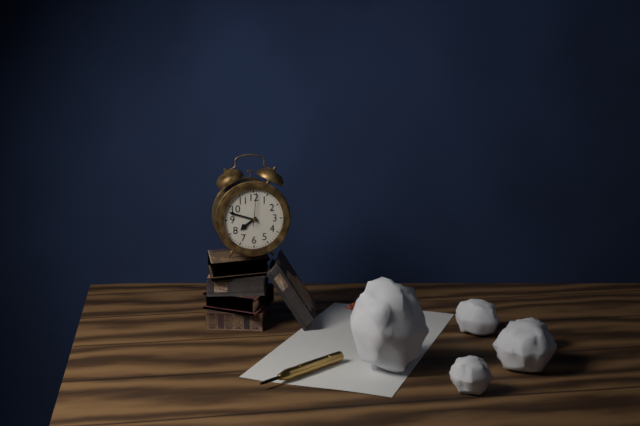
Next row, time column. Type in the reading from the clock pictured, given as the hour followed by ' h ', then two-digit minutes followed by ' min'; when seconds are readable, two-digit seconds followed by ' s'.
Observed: 7 h 48 min
